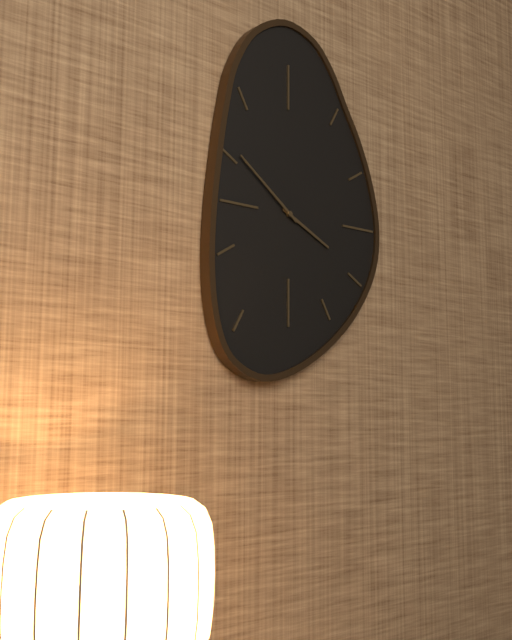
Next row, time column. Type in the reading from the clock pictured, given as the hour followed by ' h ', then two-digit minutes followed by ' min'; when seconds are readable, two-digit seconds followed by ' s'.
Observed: 3 h 51 min
